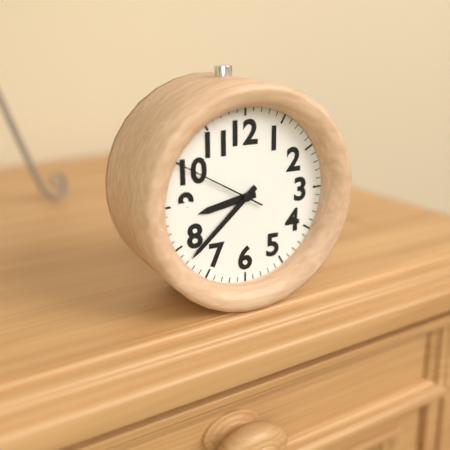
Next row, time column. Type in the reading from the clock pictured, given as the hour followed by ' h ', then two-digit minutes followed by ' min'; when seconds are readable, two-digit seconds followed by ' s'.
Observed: 8 h 38 min 50 s
